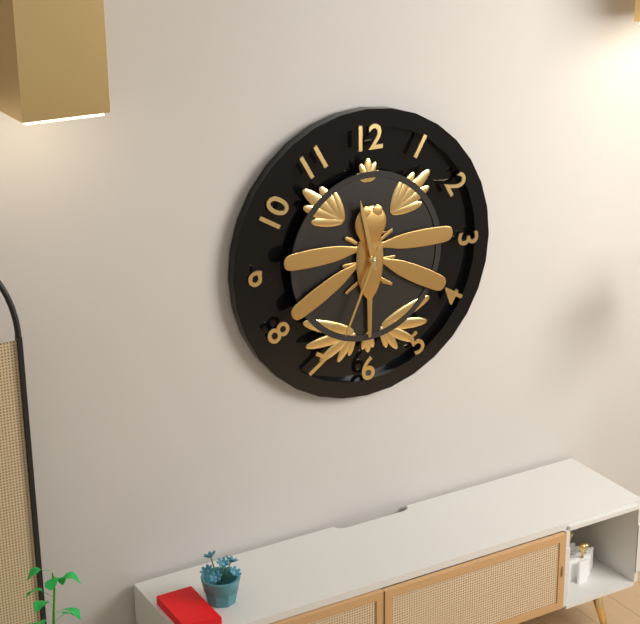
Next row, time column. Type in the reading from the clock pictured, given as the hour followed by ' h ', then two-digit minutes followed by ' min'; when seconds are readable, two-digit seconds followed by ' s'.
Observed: 11 h 34 min
